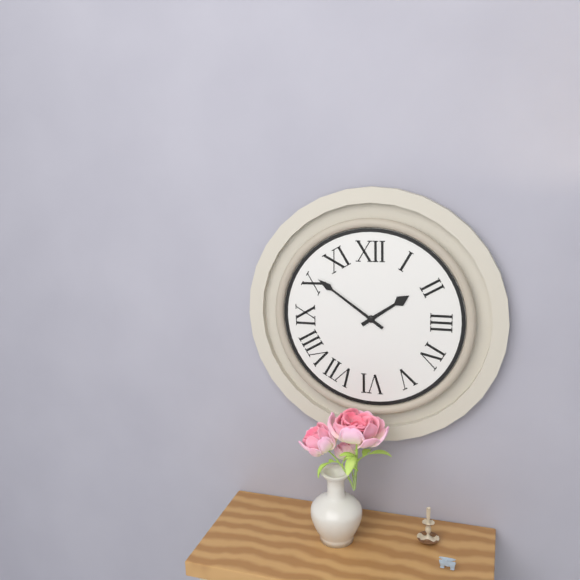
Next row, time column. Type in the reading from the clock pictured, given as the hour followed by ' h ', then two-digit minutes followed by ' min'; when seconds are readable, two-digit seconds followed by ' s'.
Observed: 1 h 51 min
